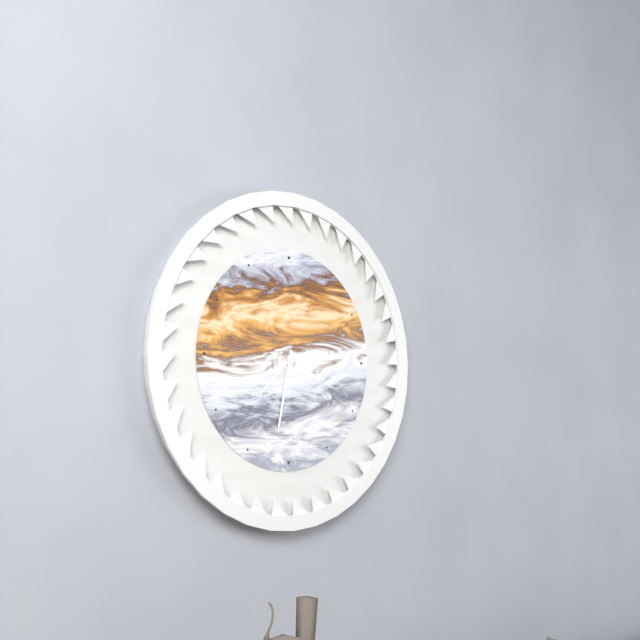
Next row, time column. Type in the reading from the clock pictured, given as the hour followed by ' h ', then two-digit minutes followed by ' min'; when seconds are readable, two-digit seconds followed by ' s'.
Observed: 7 h 32 min
